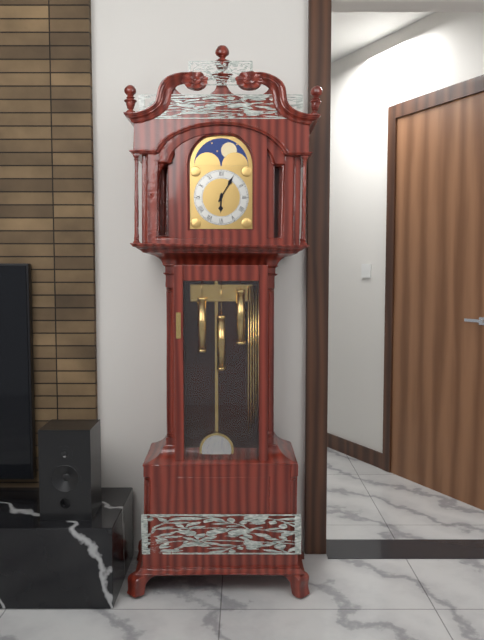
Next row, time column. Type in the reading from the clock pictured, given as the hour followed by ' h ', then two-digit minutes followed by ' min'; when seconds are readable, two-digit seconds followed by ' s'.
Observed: 6 h 05 min
